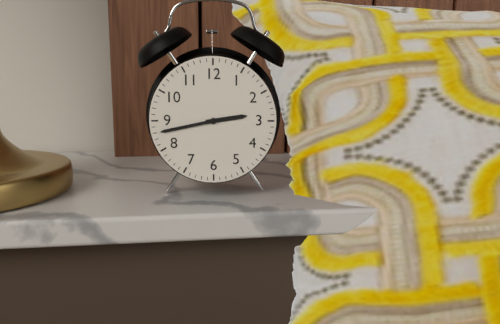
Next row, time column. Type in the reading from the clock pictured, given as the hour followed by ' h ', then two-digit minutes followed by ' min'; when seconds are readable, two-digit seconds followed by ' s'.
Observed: 2 h 43 min
